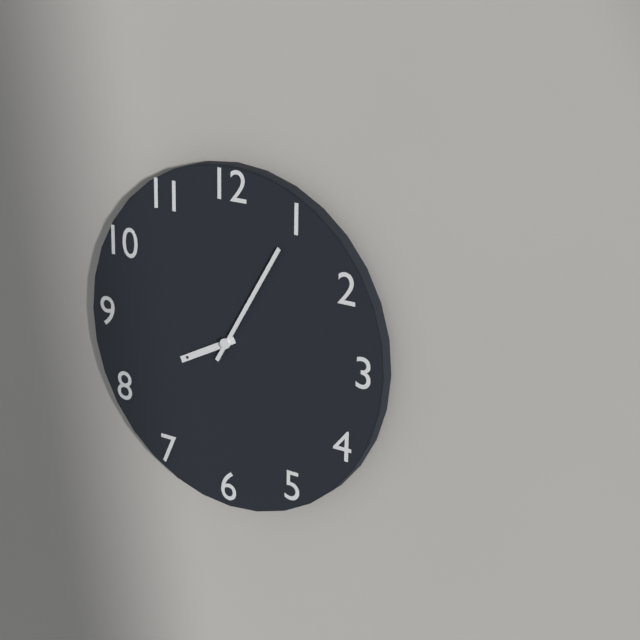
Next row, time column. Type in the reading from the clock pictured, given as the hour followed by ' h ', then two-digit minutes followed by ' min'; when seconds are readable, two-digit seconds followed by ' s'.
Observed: 8 h 05 min
